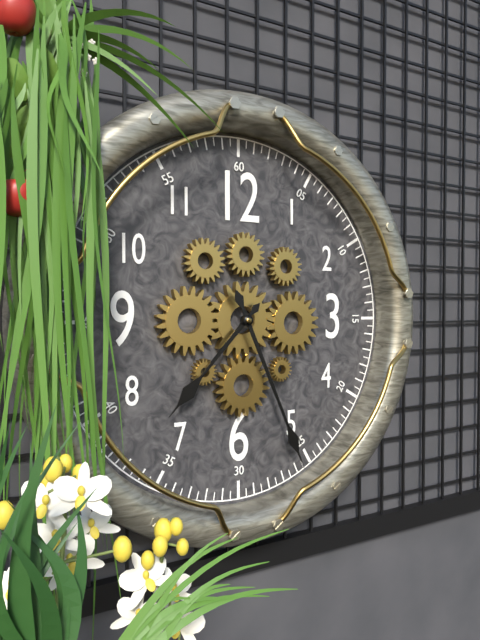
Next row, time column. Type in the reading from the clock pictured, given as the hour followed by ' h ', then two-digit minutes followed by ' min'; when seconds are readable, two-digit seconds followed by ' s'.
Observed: 7 h 26 min
